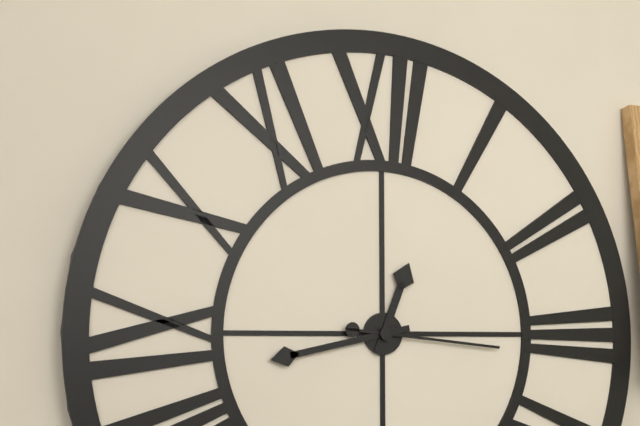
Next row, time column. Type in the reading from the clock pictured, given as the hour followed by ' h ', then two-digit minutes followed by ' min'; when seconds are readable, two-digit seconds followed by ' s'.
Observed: 12 h 43 min 16 s
